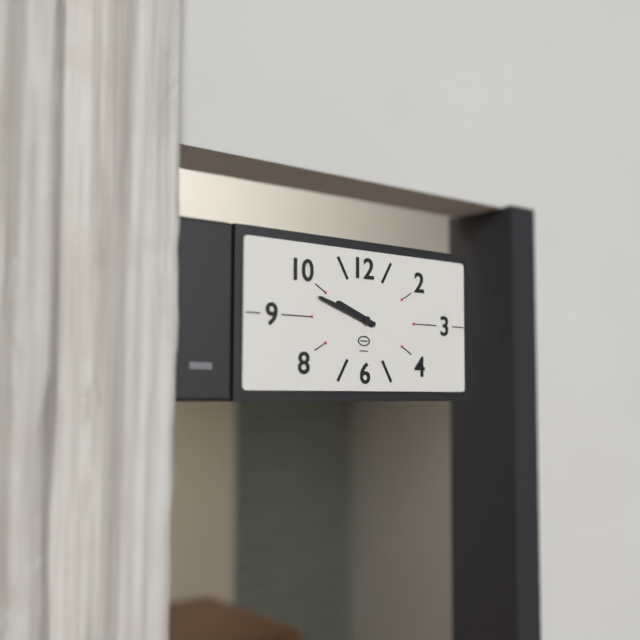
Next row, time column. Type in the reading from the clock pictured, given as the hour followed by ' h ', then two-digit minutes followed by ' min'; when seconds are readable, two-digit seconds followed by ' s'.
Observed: 9 h 48 min
